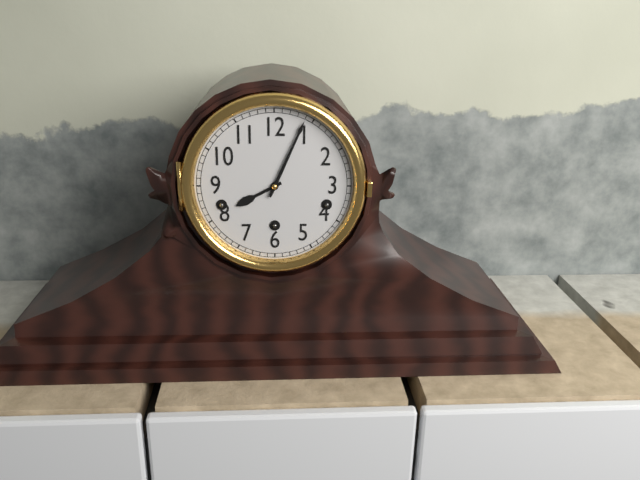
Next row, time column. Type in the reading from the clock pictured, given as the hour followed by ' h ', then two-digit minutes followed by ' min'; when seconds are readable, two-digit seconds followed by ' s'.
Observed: 8 h 04 min
